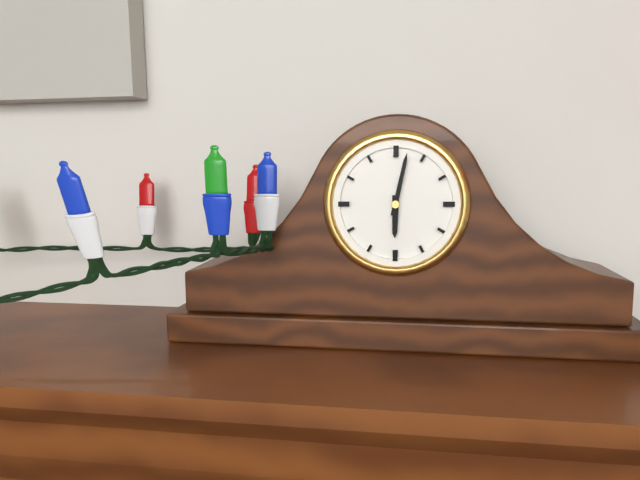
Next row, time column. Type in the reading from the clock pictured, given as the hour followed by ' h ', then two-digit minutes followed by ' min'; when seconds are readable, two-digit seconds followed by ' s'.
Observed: 6 h 02 min
